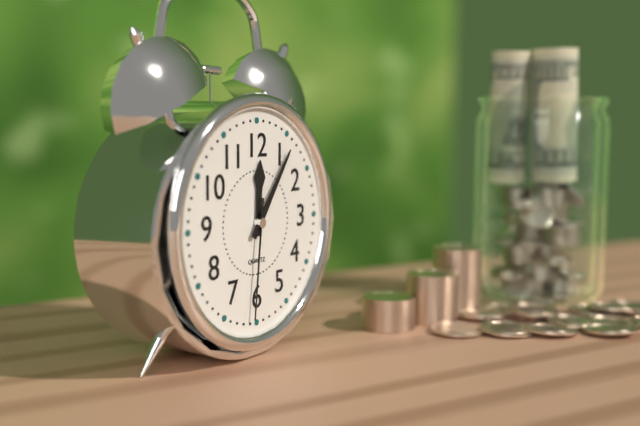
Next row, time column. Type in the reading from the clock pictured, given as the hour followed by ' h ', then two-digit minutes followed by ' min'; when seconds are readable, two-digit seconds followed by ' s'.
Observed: 12 h 06 min 31 s
